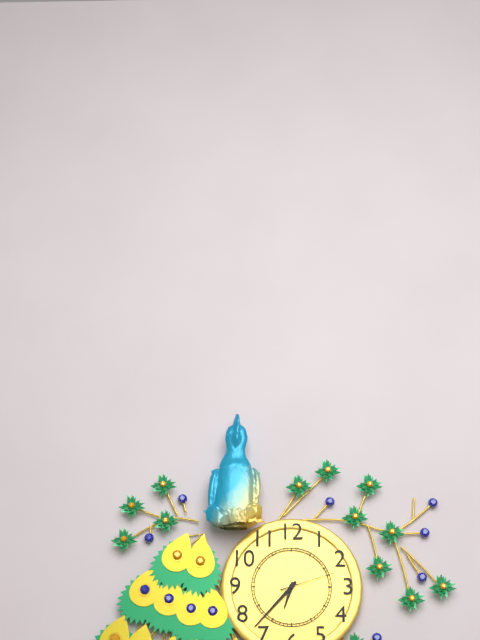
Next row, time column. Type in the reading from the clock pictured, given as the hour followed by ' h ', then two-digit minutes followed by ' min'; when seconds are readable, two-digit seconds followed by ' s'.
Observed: 6 h 37 min 12 s
